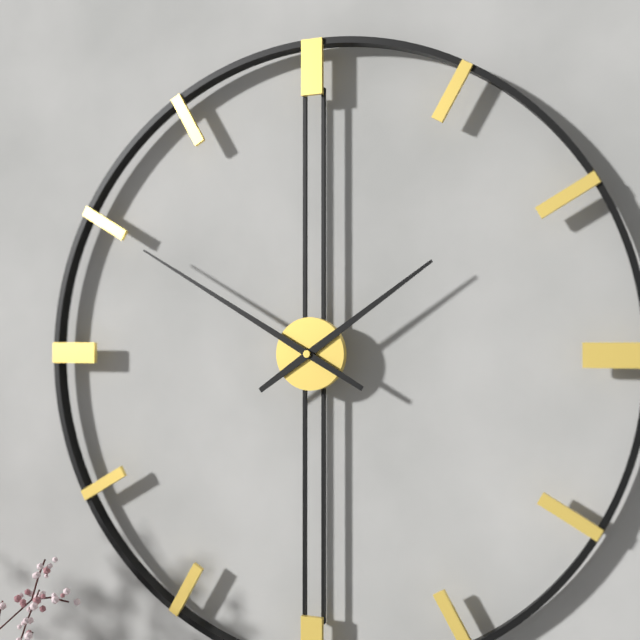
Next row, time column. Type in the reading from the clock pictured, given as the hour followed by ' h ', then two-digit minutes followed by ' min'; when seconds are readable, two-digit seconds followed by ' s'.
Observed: 1 h 50 min
